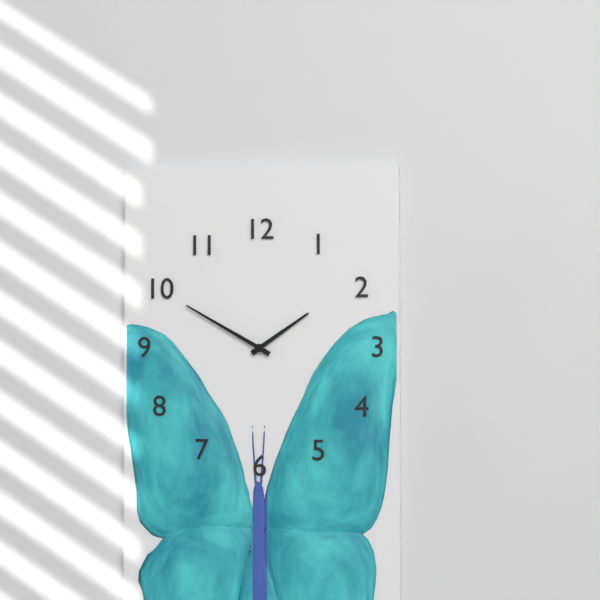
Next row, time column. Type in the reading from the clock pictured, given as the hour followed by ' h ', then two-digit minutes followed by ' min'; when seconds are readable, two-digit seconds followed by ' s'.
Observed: 1 h 50 min
